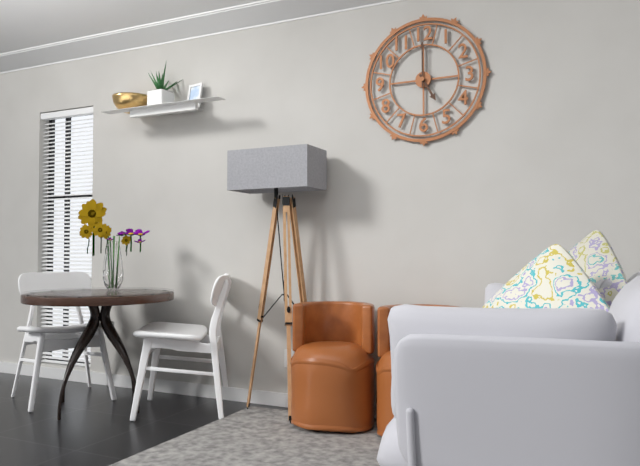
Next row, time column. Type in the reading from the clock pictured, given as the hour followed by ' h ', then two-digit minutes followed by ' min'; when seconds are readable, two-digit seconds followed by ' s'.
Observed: 5 h 00 min
